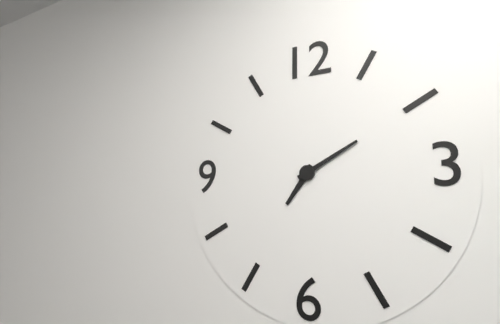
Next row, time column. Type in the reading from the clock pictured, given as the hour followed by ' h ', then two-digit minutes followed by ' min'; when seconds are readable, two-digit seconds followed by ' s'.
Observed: 7 h 10 min
